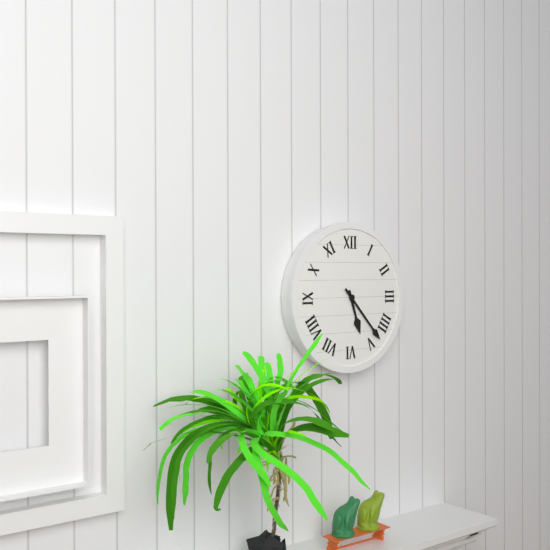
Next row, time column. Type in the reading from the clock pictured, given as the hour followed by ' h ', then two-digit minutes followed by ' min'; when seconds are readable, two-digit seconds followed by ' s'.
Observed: 5 h 23 min
